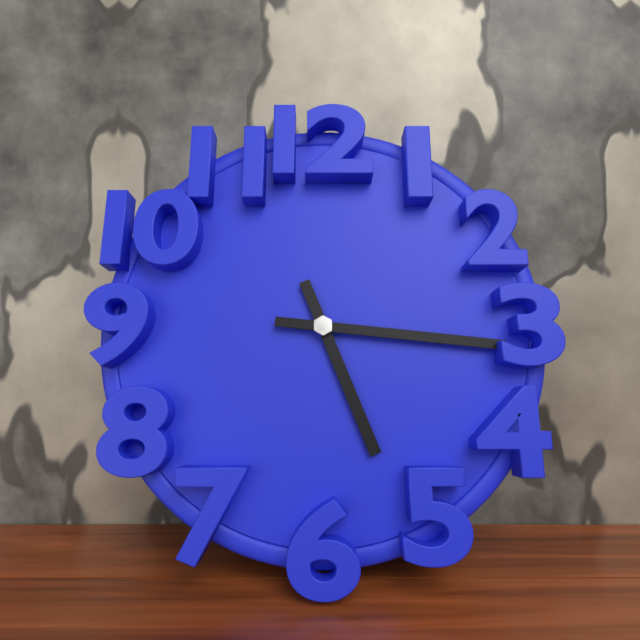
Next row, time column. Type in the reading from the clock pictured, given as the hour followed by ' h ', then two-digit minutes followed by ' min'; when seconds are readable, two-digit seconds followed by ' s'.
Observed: 5 h 16 min
